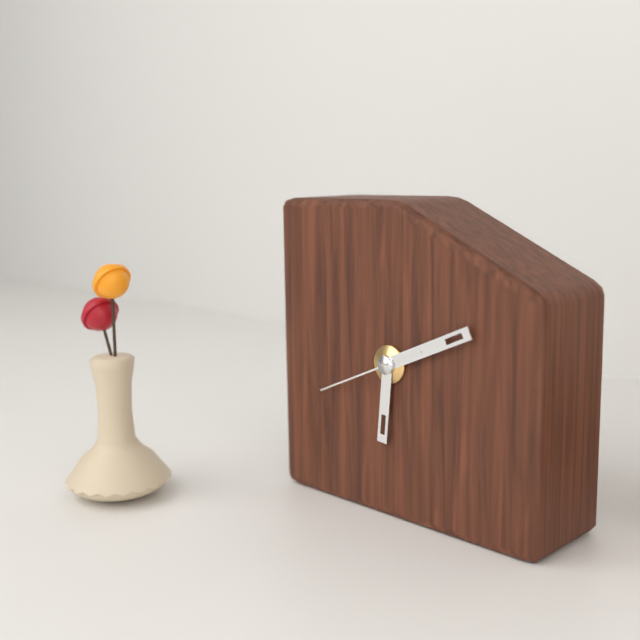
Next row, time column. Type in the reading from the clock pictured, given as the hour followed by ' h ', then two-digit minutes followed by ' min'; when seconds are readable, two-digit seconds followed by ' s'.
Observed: 6 h 11 min 41 s
